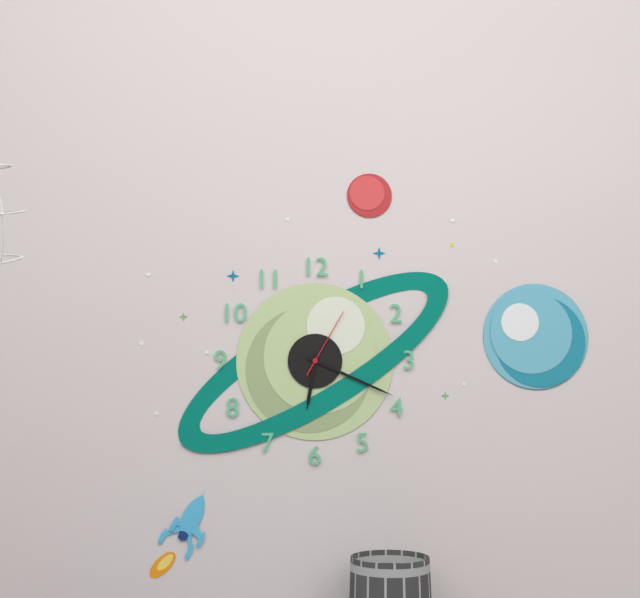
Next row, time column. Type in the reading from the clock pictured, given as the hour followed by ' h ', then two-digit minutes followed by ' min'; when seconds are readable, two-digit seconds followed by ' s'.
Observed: 6 h 19 min 05 s
